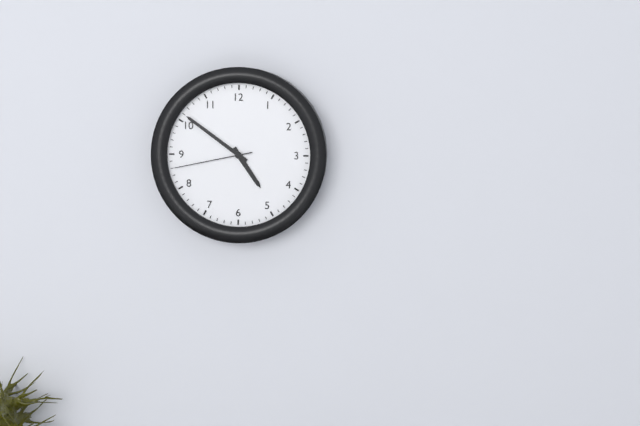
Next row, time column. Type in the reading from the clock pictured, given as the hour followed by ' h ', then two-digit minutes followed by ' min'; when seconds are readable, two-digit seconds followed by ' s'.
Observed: 4 h 51 min 43 s
